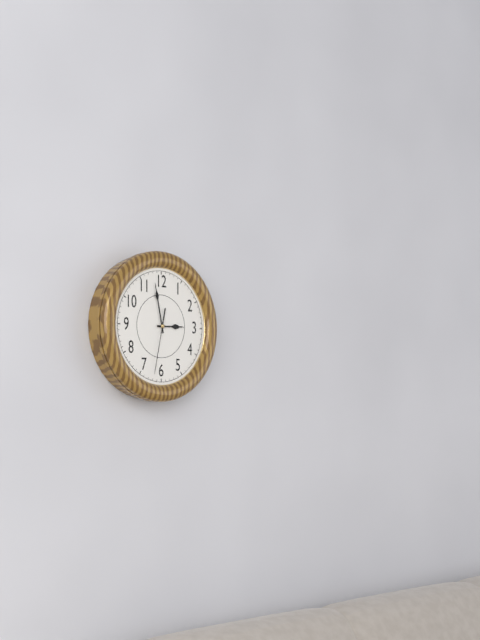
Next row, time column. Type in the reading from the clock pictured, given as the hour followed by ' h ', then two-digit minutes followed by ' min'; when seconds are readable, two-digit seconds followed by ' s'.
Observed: 2 h 58 min 32 s
